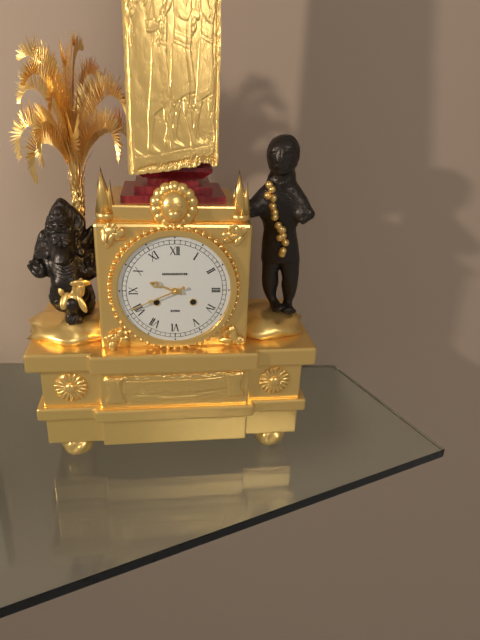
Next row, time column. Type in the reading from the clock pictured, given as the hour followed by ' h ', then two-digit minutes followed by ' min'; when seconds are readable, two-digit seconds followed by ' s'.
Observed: 9 h 41 min
